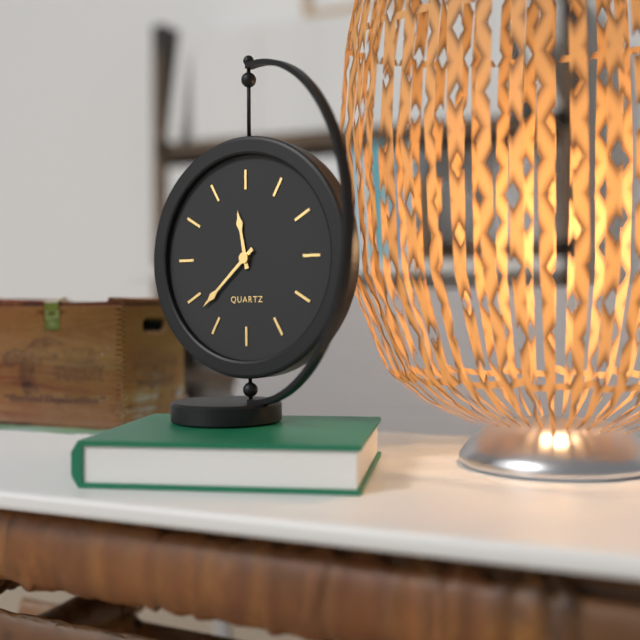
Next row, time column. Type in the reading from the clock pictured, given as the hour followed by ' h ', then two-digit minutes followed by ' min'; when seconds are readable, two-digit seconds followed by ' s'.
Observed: 11 h 38 min
